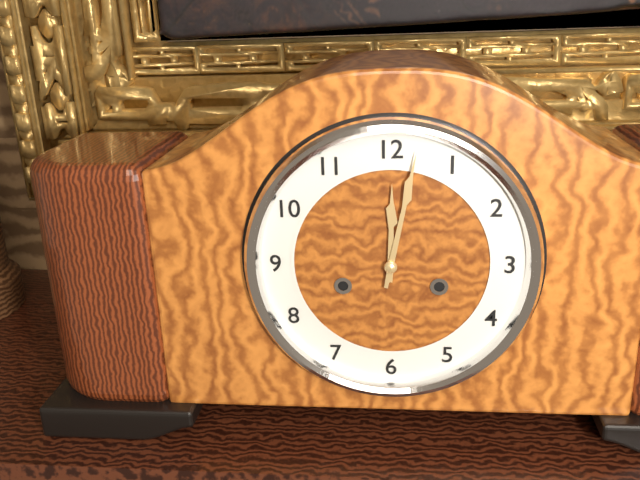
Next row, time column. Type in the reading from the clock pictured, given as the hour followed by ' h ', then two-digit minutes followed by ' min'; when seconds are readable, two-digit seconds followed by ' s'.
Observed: 12 h 02 min
